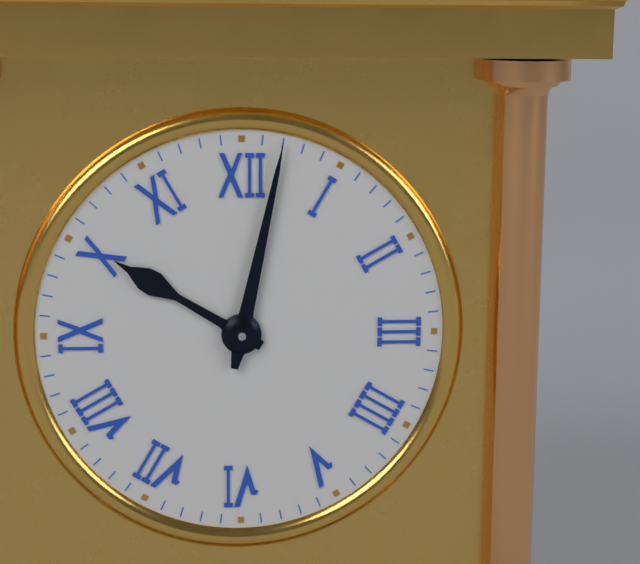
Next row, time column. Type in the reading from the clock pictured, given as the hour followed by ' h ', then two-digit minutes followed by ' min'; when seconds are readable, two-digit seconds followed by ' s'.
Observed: 10 h 02 min
